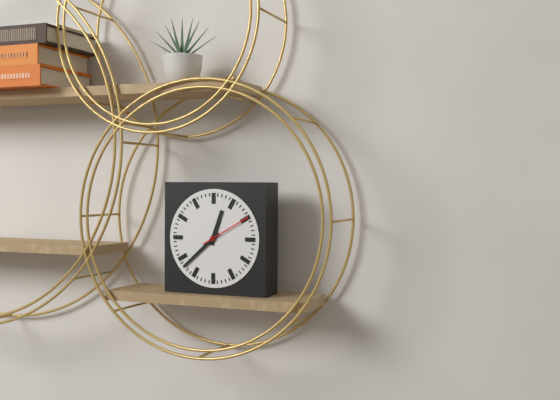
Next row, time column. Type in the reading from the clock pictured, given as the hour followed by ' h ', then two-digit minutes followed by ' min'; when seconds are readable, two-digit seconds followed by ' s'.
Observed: 12 h 38 min 10 s
